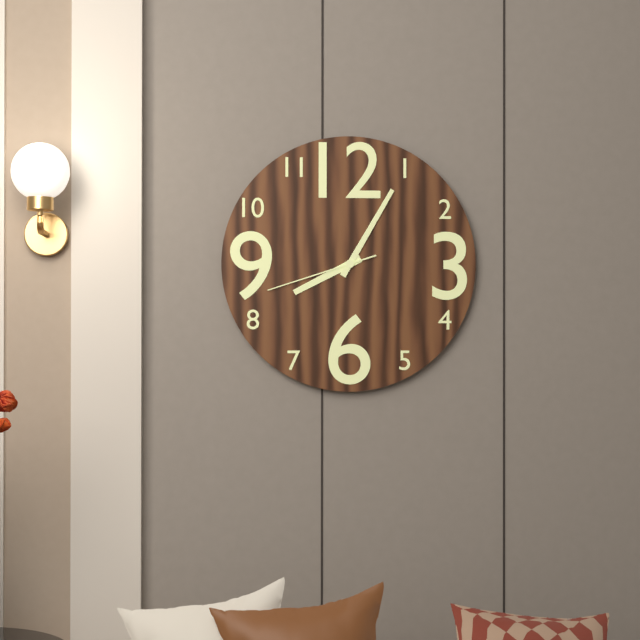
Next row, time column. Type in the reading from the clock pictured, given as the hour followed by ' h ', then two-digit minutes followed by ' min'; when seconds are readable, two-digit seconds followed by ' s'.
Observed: 8 h 05 min 42 s
